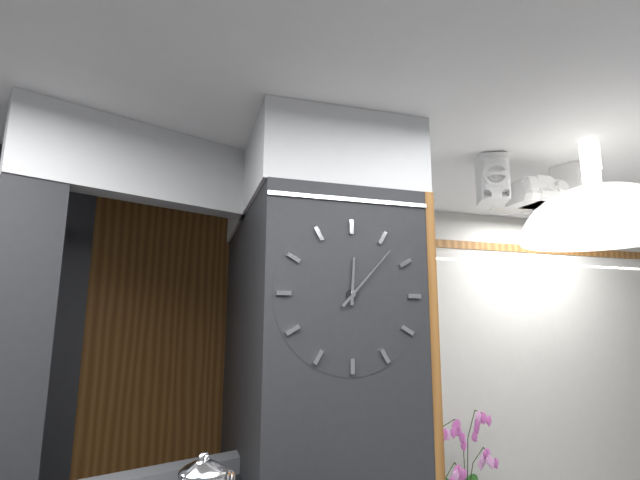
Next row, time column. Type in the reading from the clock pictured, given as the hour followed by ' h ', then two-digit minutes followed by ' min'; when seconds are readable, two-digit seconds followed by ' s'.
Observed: 12 h 07 min
